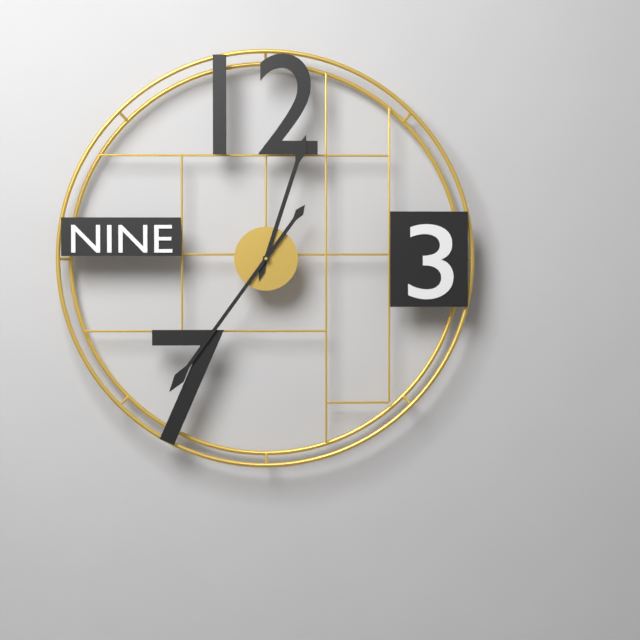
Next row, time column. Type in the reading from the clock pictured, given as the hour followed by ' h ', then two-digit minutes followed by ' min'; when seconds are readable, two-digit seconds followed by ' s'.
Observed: 12 h 36 min
